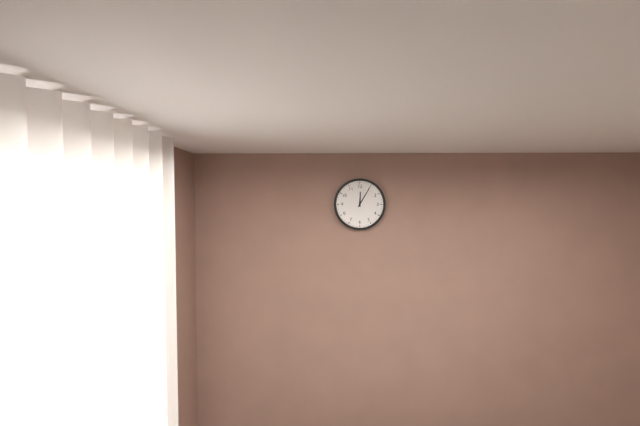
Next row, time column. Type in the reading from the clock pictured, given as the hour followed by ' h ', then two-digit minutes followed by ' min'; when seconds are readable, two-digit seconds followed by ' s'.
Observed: 12 h 05 min
